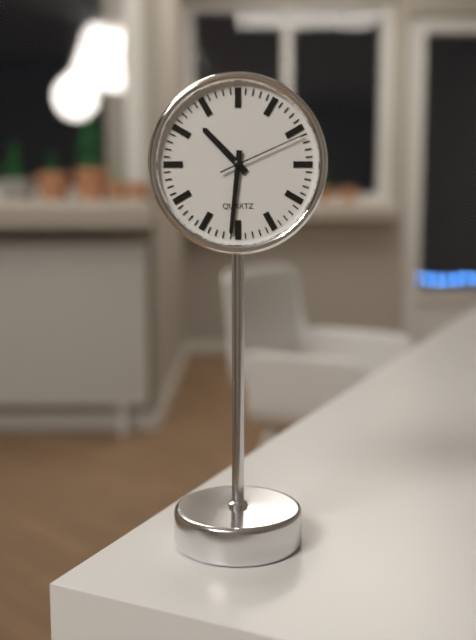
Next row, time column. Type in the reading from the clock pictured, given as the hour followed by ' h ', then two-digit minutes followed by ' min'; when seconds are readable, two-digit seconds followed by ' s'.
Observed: 10 h 31 min 11 s
